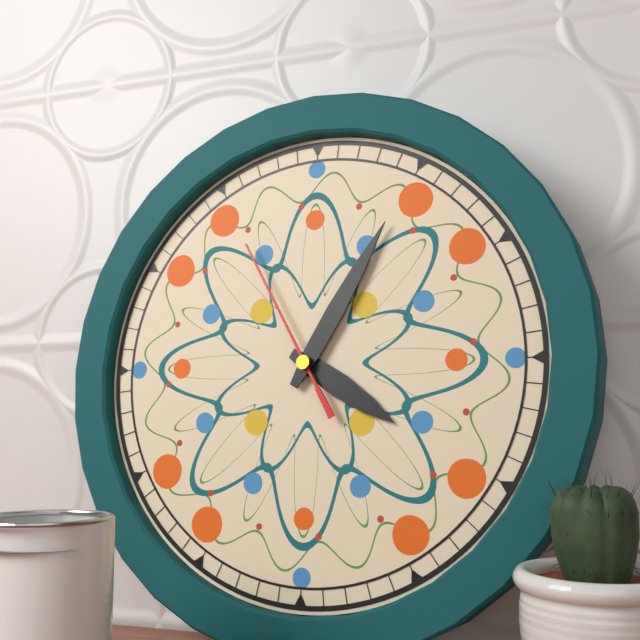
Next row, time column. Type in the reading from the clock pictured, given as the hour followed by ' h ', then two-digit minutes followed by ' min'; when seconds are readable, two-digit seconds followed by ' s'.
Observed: 4 h 05 min 55 s
